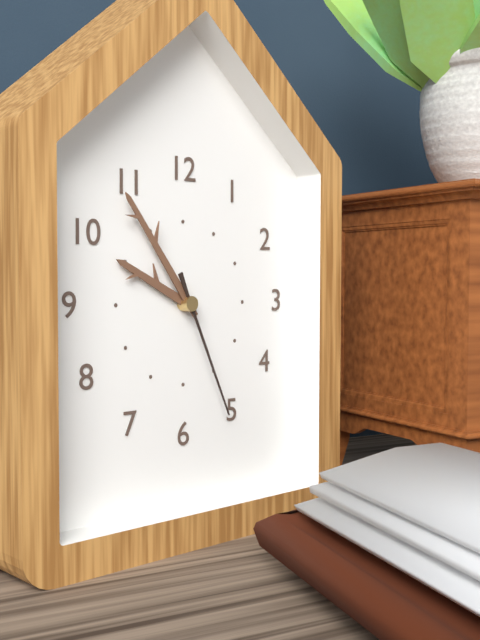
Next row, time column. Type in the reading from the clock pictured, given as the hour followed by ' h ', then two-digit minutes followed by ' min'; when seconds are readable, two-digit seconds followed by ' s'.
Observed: 9 h 54 min 26 s
